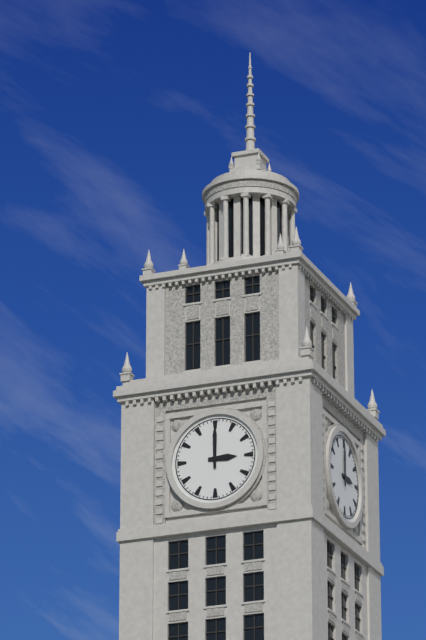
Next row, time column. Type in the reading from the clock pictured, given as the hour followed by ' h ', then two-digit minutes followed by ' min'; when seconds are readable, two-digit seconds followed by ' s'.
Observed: 3 h 00 min
